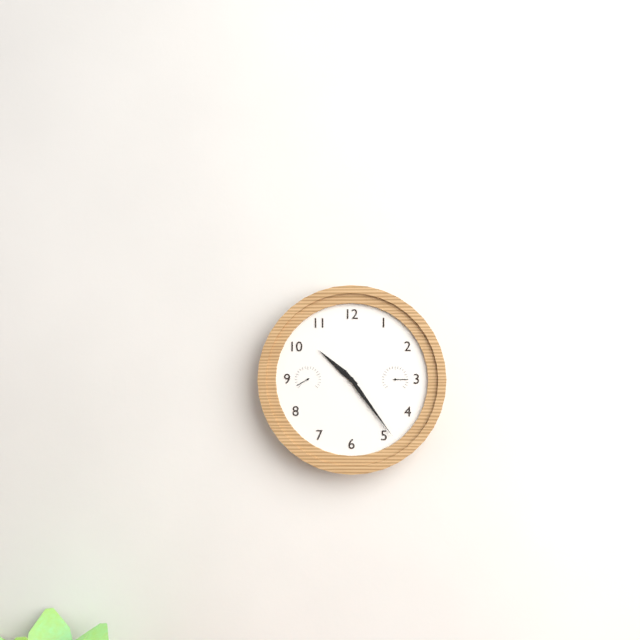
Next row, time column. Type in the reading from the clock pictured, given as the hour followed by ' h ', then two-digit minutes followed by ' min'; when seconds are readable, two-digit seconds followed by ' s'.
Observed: 10 h 24 min
